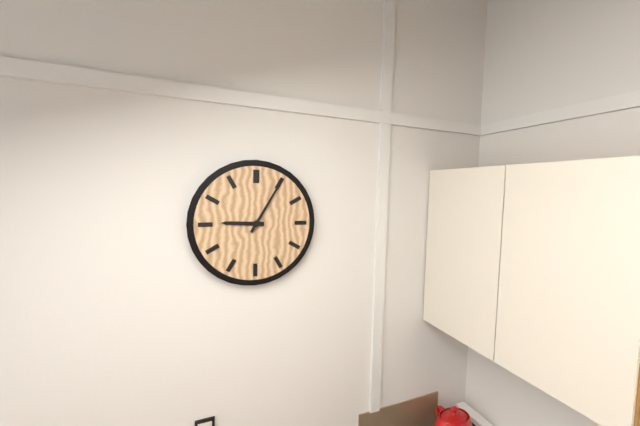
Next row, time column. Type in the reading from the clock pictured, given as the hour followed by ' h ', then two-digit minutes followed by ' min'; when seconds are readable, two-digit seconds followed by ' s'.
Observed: 9 h 05 min
